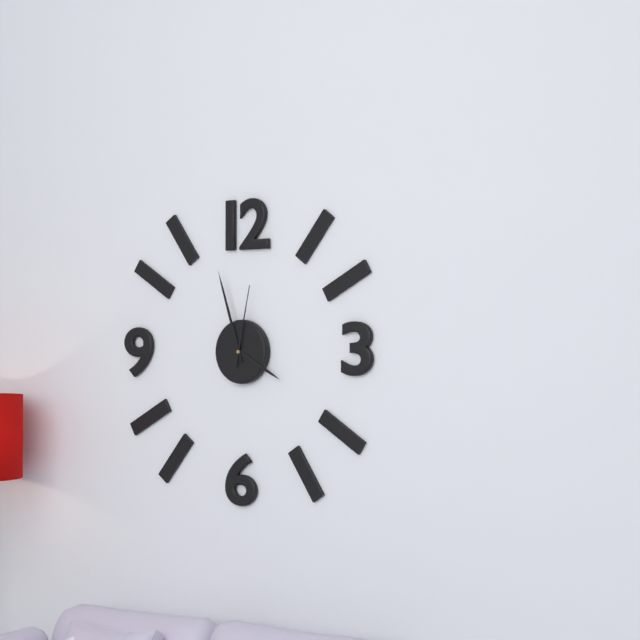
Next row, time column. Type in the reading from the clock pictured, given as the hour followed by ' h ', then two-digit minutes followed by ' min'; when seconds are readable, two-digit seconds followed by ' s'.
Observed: 3 h 57 min 02 s
